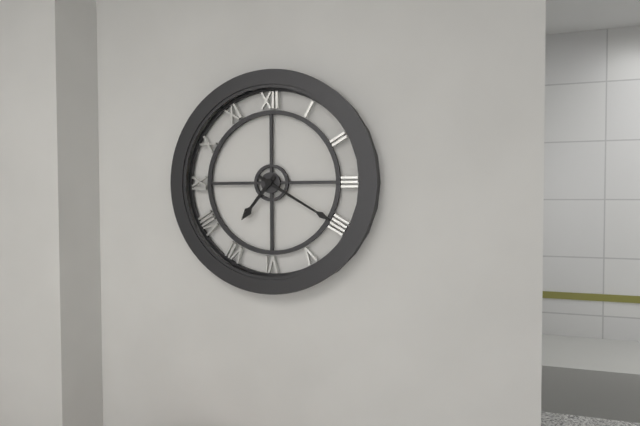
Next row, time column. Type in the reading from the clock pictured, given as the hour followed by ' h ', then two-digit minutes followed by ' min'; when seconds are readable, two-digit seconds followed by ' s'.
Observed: 7 h 20 min
